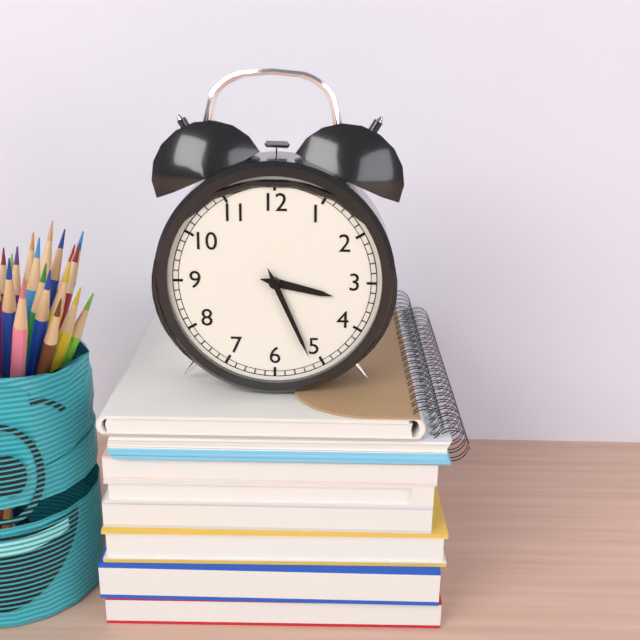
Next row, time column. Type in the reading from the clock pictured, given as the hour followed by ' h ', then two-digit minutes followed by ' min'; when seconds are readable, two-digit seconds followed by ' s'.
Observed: 3 h 26 min
